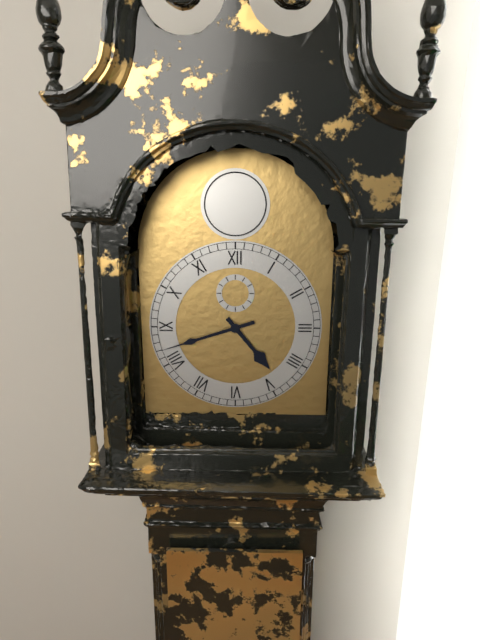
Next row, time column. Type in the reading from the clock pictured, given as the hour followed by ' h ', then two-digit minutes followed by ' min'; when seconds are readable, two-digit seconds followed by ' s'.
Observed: 4 h 42 min
